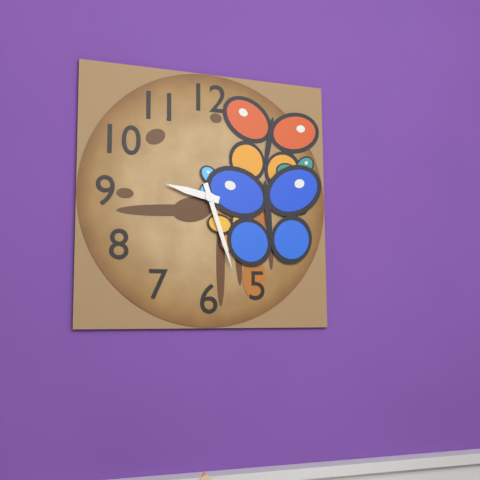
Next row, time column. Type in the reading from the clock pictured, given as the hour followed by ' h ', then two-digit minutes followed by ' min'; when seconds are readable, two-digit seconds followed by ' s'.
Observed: 9 h 27 min
